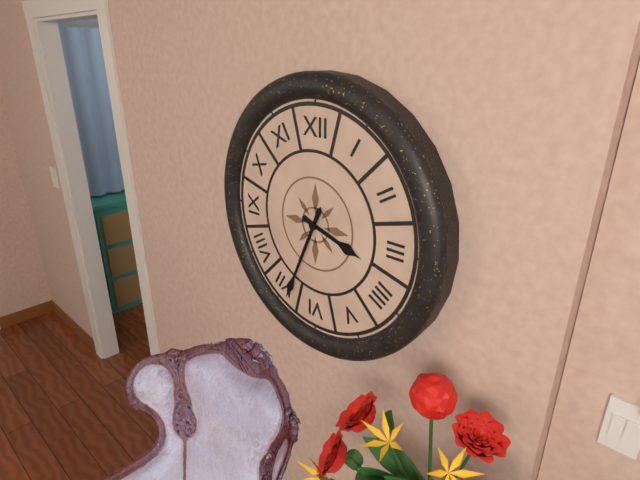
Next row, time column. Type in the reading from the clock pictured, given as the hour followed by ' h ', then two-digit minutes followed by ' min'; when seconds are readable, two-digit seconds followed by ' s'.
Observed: 3 h 34 min
